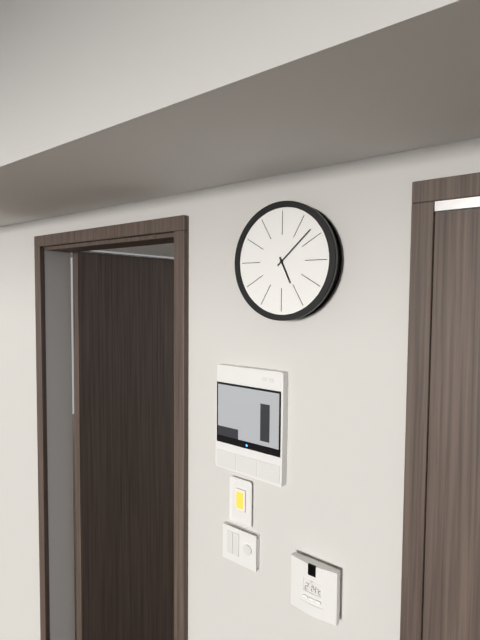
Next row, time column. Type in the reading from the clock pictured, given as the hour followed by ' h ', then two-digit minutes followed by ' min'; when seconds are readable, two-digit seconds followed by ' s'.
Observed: 5 h 08 min
